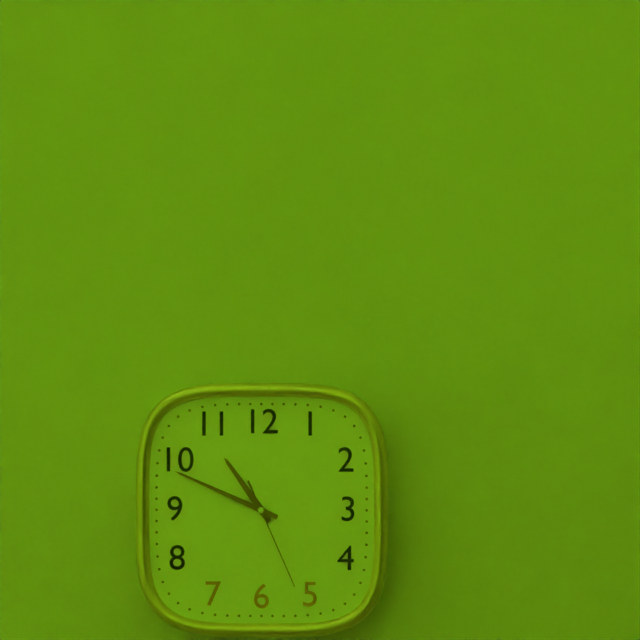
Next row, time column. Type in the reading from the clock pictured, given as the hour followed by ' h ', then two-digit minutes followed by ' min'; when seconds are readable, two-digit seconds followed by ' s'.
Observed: 10 h 49 min 26 s
